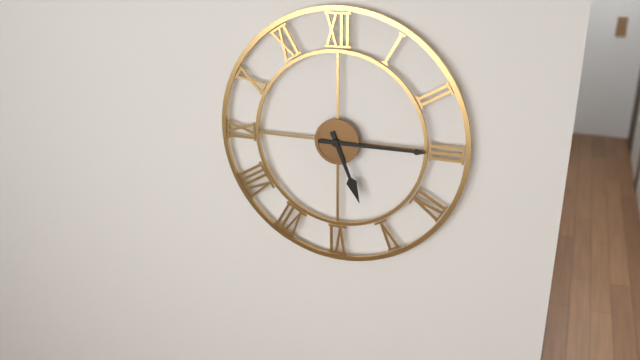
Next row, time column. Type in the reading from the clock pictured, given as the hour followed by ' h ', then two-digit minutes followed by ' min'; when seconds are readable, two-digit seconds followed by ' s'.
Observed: 5 h 15 min
